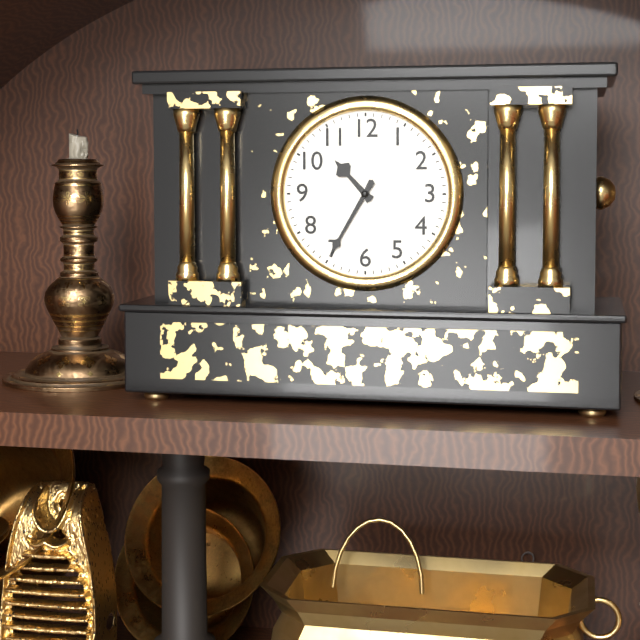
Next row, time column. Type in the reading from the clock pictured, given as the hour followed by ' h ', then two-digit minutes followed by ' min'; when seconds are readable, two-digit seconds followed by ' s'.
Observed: 10 h 35 min
